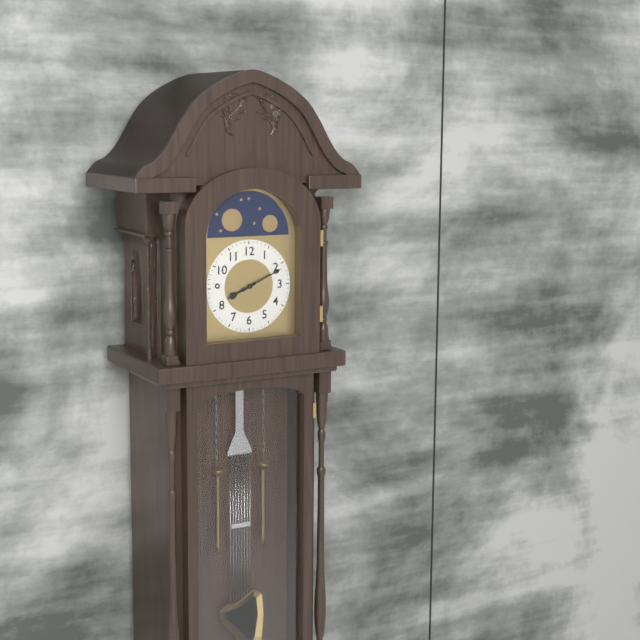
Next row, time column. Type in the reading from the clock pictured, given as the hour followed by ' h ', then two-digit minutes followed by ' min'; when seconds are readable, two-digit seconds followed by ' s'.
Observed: 8 h 11 min
